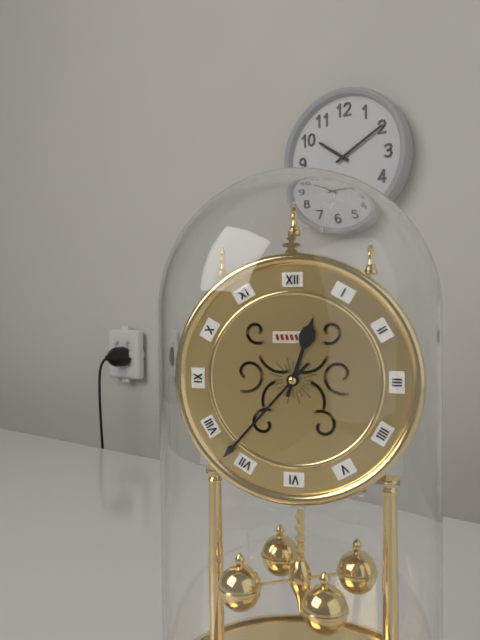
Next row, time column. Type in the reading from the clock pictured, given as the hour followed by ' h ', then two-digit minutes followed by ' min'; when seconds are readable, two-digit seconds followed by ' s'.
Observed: 12 h 37 min
